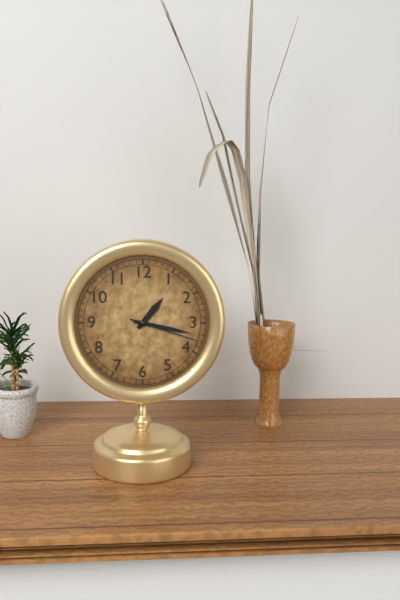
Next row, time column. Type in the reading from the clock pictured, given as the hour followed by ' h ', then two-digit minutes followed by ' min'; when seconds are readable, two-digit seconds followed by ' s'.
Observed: 1 h 17 min 18 s
